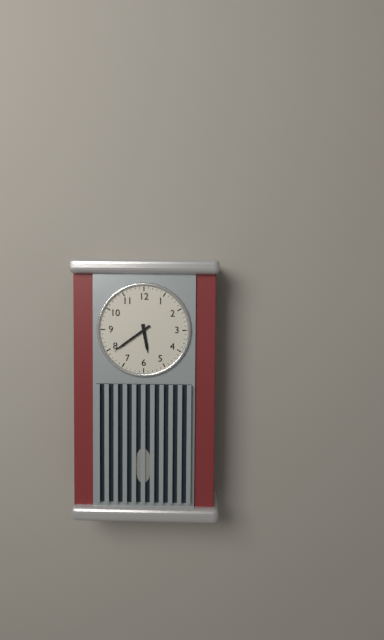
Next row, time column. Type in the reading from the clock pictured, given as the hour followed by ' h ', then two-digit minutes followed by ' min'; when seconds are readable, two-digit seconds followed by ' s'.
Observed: 5 h 39 min
